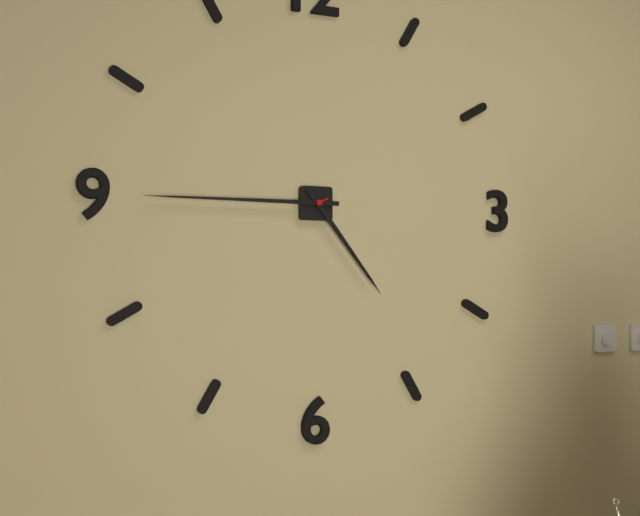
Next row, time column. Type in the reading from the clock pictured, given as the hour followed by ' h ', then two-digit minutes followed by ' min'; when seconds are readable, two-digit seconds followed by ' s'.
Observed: 4 h 45 min
